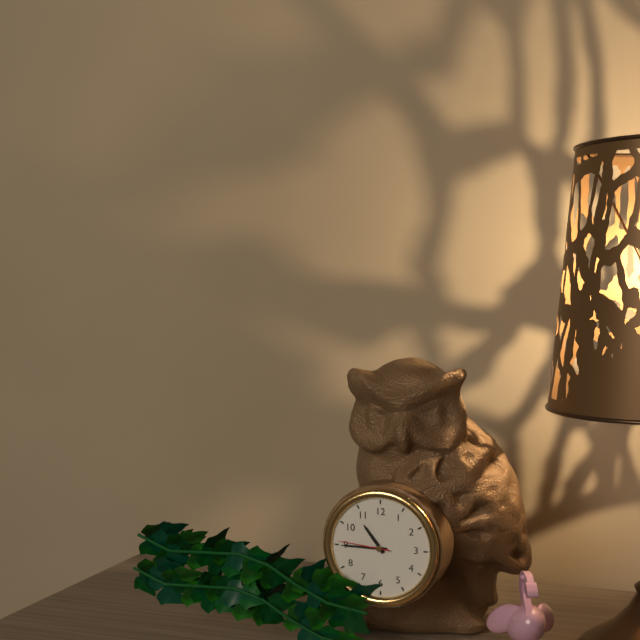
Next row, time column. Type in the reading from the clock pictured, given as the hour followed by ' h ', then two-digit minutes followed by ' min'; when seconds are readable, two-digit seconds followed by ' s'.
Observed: 10 h 45 min 46 s
